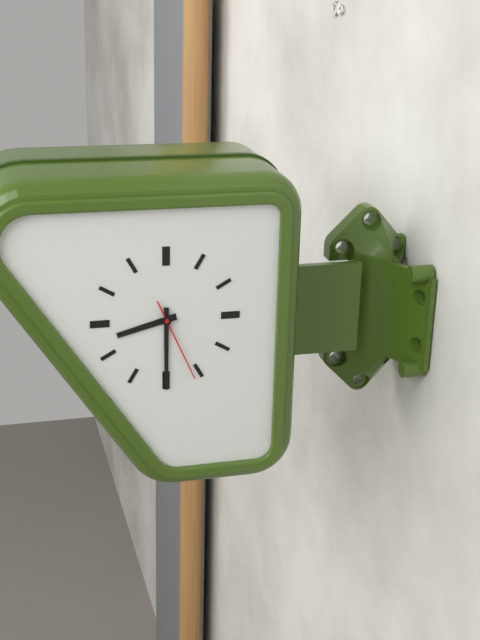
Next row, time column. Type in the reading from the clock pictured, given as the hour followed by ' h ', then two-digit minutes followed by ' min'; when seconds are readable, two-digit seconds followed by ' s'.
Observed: 8 h 30 min 26 s
